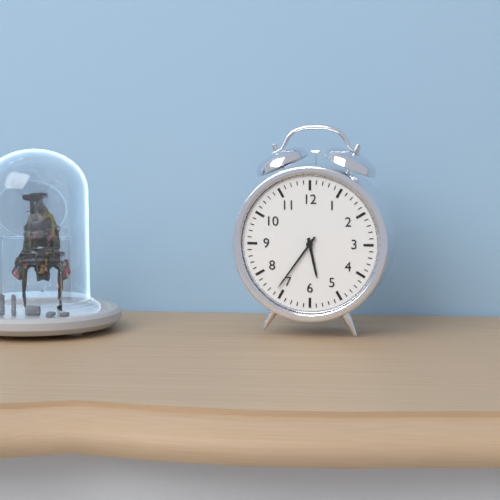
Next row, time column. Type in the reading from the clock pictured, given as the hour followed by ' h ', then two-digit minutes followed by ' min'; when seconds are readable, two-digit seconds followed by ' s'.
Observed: 5 h 36 min
